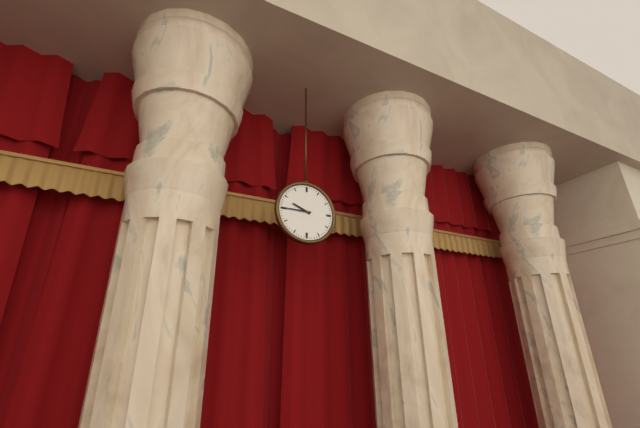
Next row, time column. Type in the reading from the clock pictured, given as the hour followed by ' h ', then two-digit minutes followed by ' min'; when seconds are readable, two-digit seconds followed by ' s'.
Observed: 9 h 45 min
